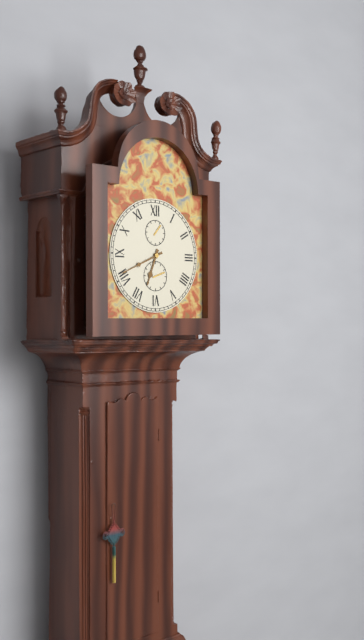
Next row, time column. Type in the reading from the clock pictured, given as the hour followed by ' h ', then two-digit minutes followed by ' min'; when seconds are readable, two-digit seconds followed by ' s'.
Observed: 6 h 41 min
